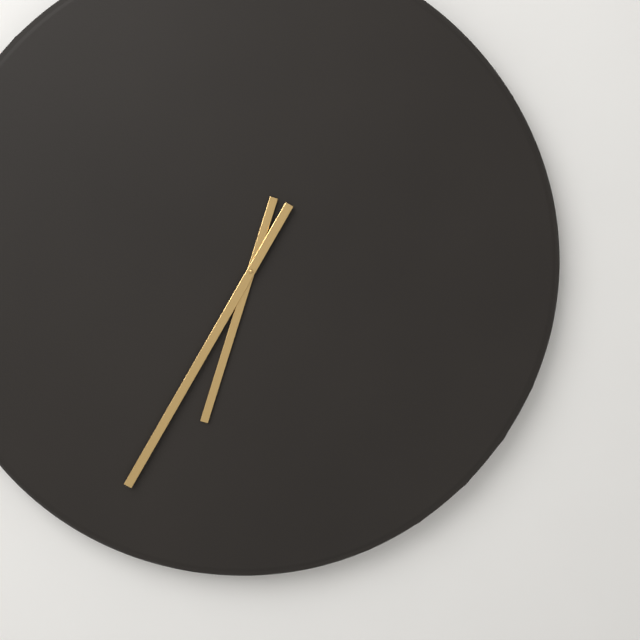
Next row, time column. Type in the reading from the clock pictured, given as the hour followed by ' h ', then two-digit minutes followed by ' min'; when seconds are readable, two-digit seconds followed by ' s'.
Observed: 6 h 35 min
